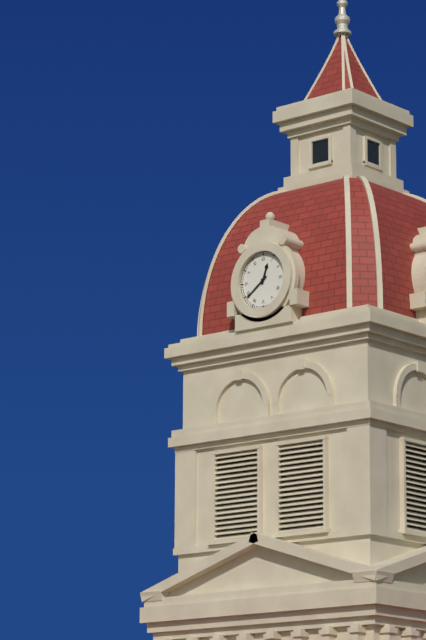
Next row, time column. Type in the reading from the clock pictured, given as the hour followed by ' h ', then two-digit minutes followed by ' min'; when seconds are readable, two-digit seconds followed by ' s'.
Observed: 12 h 39 min
